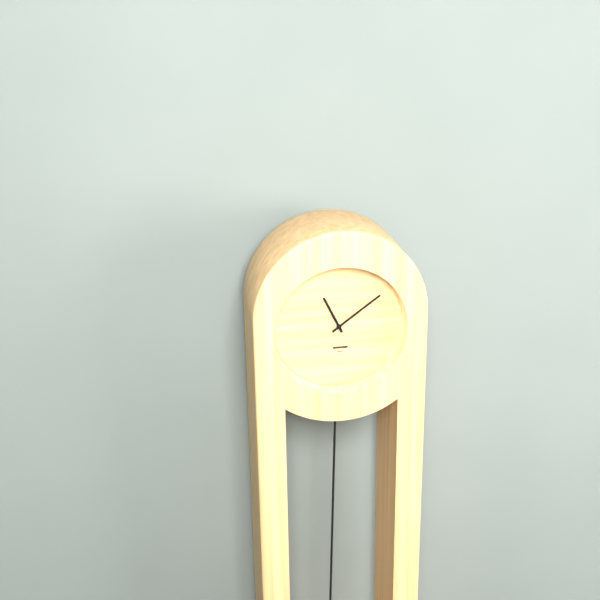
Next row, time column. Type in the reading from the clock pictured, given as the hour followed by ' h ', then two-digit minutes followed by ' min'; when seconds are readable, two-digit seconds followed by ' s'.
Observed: 11 h 09 min
